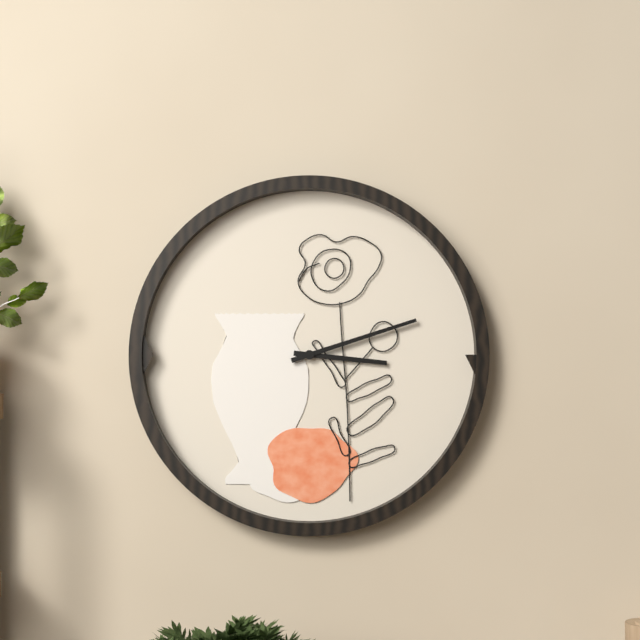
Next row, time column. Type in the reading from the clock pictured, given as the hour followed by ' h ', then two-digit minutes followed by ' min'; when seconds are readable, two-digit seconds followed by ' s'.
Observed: 3 h 12 min
